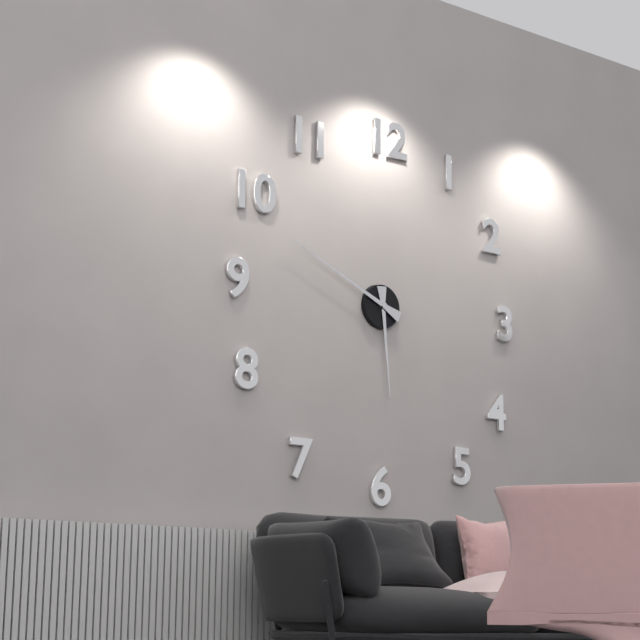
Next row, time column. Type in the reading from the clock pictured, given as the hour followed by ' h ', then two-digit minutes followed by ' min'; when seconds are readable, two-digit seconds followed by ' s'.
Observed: 5 h 49 min
